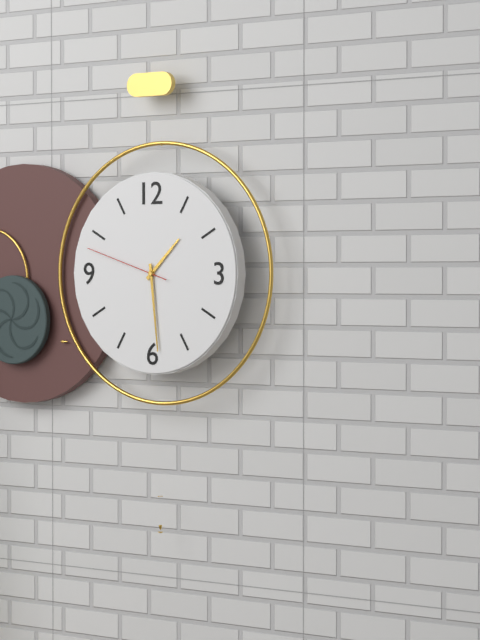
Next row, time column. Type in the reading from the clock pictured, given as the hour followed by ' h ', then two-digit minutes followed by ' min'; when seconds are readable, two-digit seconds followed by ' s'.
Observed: 1 h 29 min 48 s
